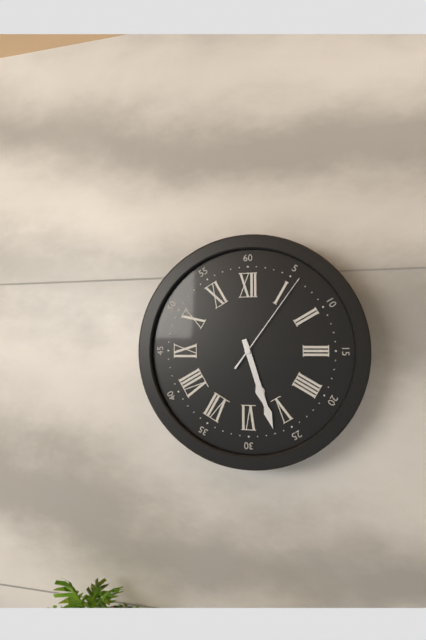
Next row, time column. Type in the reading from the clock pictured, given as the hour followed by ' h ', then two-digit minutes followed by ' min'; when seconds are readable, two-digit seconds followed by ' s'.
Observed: 5 h 27 min 06 s
